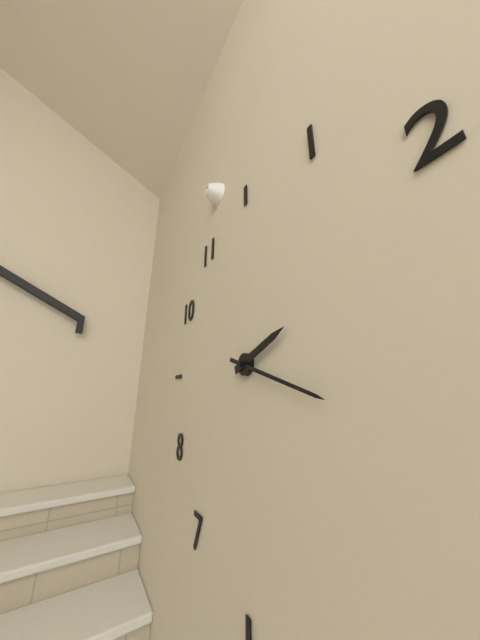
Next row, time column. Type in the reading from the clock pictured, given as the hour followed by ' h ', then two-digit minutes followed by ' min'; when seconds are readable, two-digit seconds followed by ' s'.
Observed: 2 h 18 min
